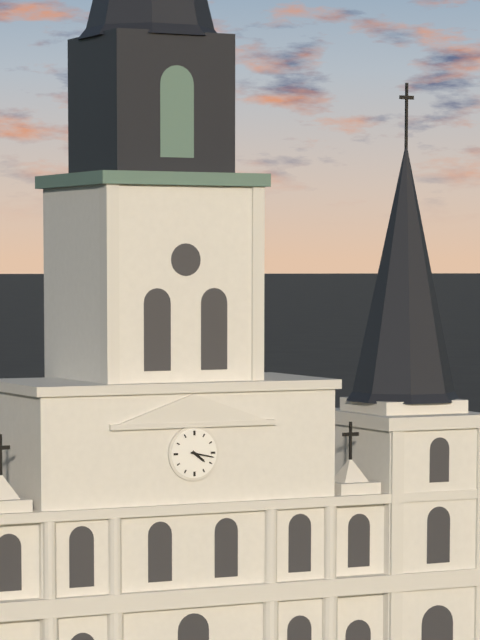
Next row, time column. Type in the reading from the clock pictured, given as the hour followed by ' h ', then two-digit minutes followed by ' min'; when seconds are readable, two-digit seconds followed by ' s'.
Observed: 4 h 17 min
